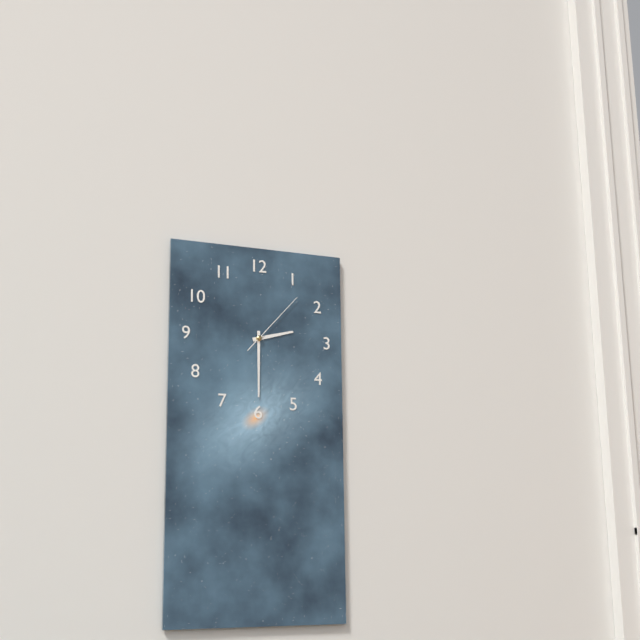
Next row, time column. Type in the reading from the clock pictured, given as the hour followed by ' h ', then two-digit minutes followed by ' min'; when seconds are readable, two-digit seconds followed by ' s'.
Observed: 2 h 30 min 07 s
